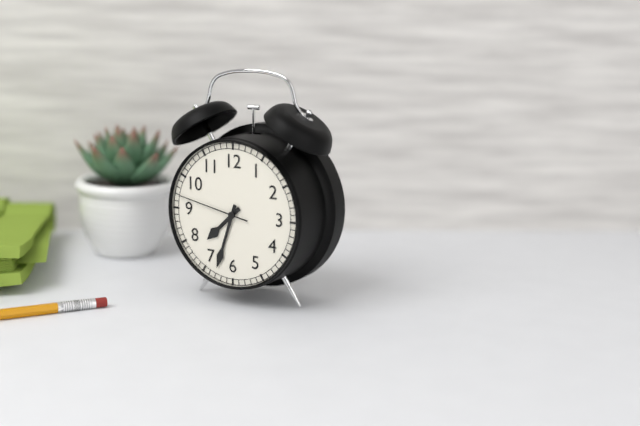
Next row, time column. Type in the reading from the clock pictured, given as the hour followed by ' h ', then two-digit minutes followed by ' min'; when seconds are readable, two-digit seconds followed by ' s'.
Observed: 7 h 33 min 47 s
